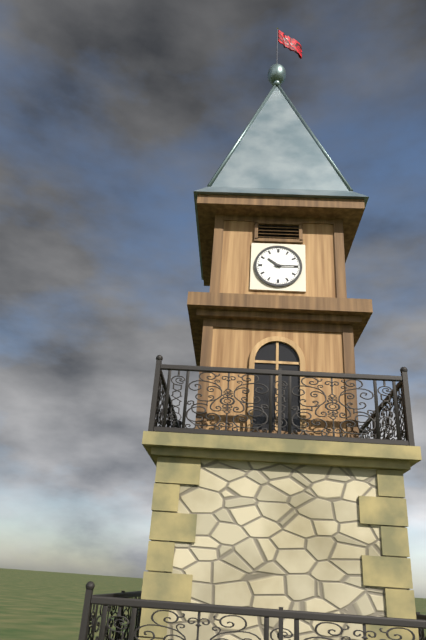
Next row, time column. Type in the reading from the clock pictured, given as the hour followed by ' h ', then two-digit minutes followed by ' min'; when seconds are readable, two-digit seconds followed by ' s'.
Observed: 10 h 15 min
